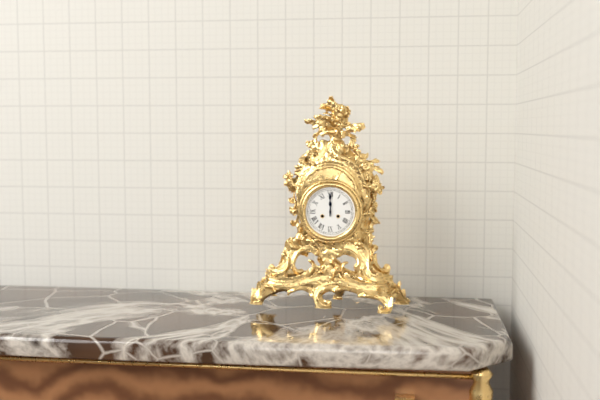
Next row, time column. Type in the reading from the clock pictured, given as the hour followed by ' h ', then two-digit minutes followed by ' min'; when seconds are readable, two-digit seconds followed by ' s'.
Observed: 12 h 00 min
